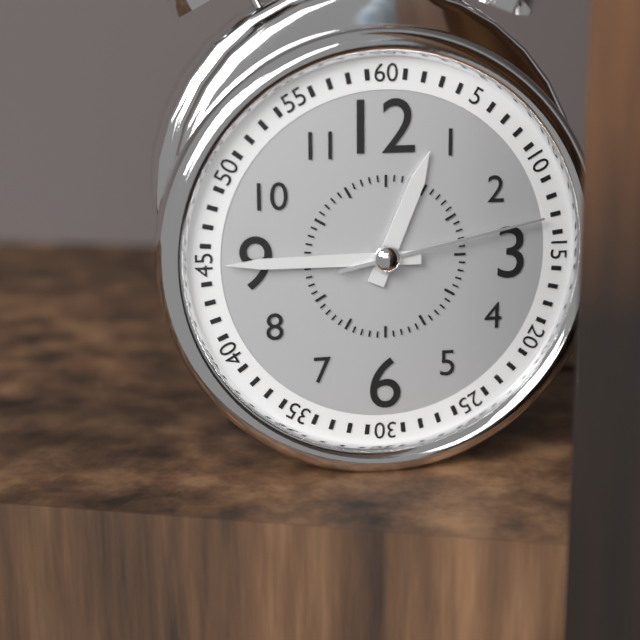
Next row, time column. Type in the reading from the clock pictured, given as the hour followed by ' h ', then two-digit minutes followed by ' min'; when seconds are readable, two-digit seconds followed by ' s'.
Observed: 12 h 45 min 13 s
